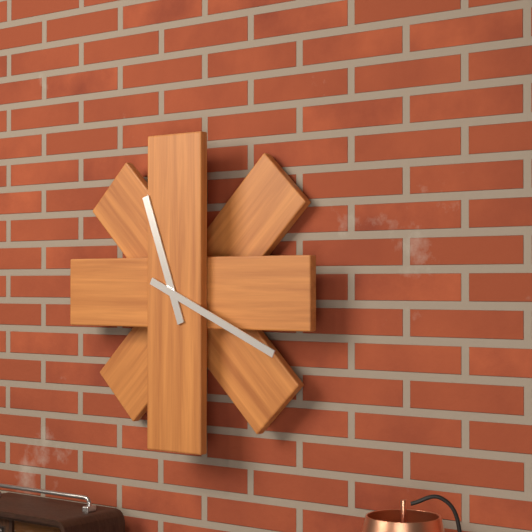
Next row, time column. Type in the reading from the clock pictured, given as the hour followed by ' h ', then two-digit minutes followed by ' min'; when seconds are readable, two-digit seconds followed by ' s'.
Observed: 11 h 19 min
